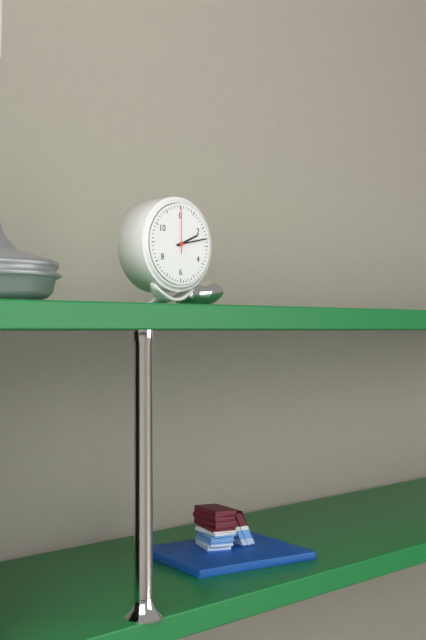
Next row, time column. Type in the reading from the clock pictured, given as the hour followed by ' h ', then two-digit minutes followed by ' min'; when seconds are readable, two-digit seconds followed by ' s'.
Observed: 2 h 13 min
